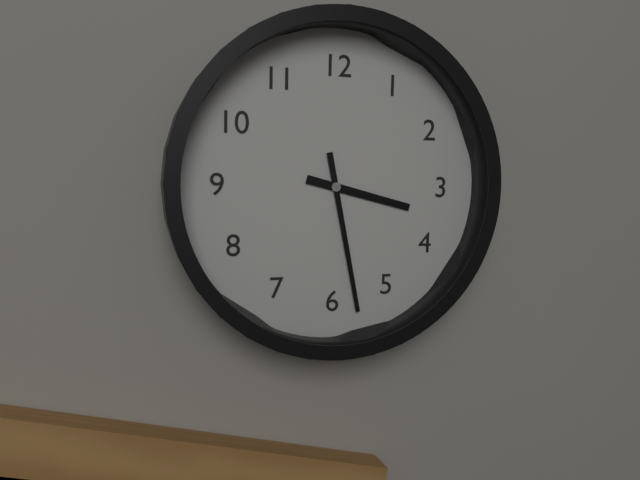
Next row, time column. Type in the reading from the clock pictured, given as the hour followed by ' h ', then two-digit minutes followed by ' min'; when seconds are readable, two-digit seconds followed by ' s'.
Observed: 3 h 28 min
